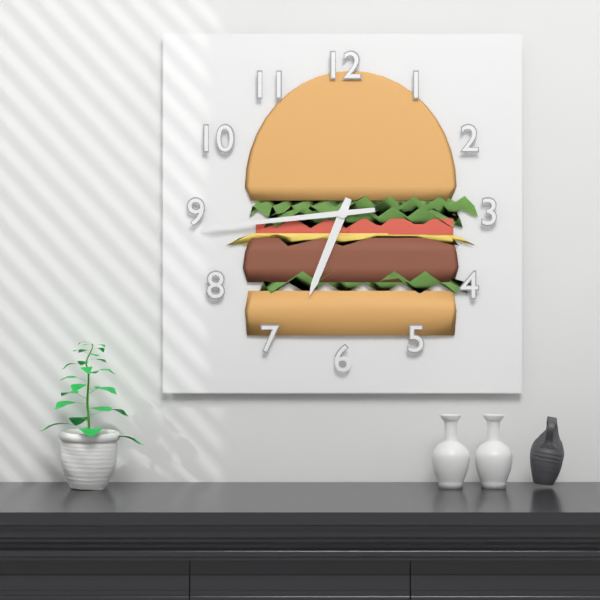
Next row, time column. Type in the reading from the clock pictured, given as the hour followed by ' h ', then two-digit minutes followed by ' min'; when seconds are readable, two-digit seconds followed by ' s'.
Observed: 6 h 44 min
